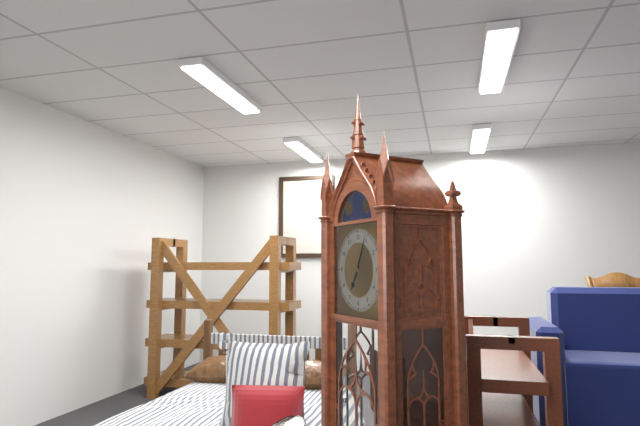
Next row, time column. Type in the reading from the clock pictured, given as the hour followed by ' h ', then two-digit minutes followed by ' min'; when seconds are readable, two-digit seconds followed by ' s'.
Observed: 7 h 04 min
